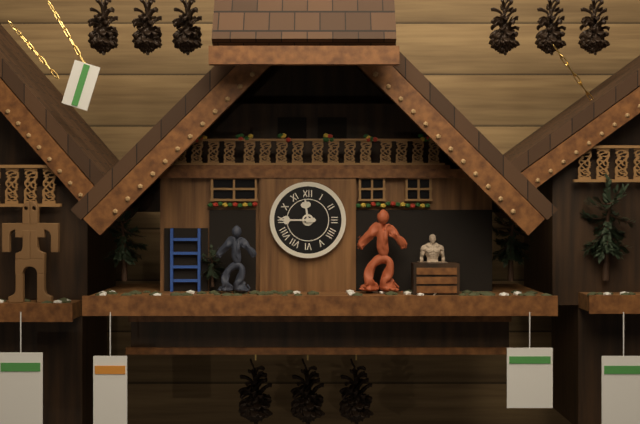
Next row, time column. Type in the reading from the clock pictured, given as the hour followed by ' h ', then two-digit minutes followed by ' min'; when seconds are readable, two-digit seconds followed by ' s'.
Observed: 11 h 45 min
